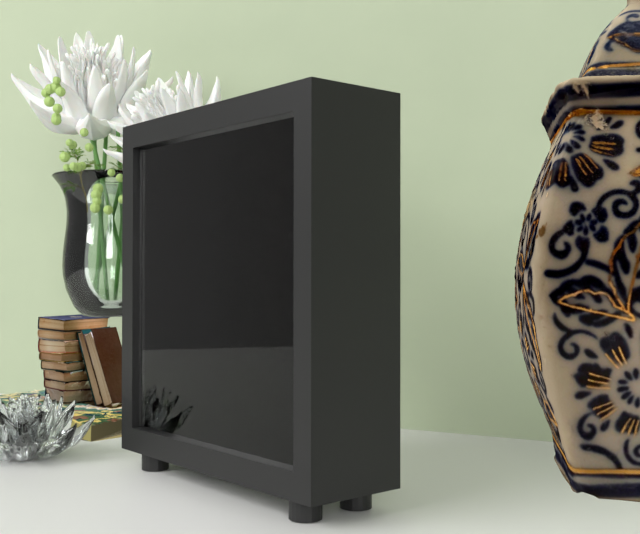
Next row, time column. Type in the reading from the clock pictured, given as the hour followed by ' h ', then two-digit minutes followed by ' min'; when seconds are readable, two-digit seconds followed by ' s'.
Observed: 4 h 38 min
